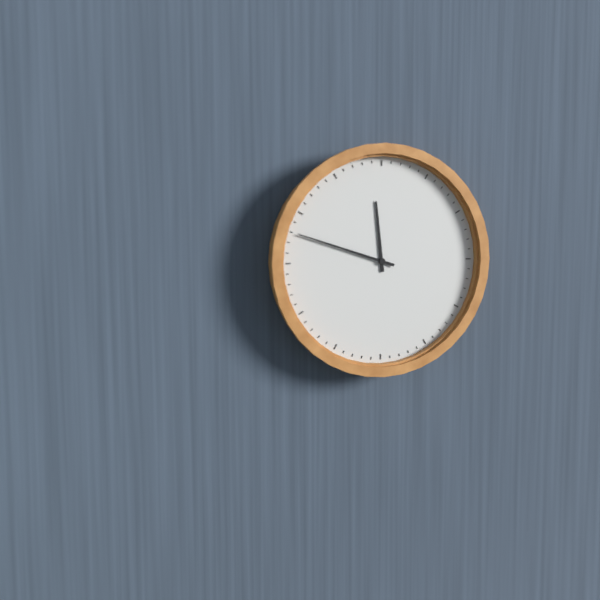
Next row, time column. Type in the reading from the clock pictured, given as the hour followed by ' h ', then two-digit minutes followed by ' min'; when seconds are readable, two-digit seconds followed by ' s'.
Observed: 11 h 48 min
